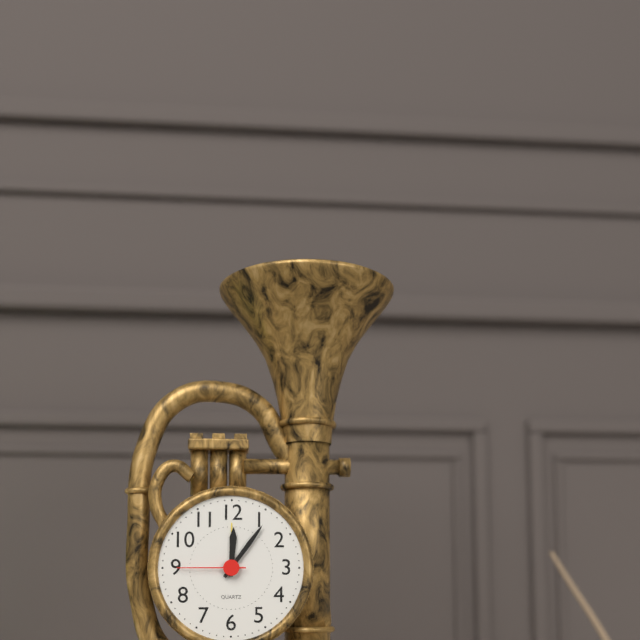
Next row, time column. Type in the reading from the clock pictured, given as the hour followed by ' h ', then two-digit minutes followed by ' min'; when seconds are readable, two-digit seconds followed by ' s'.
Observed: 12 h 06 min 45 s
